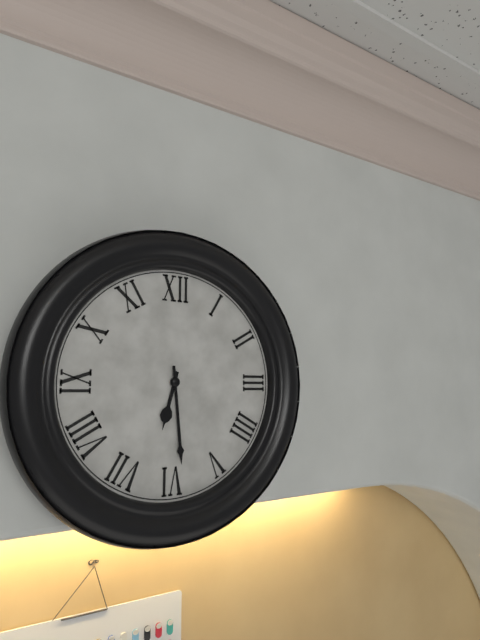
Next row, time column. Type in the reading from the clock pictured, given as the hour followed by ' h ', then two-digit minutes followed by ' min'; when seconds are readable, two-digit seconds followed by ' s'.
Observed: 6 h 29 min
